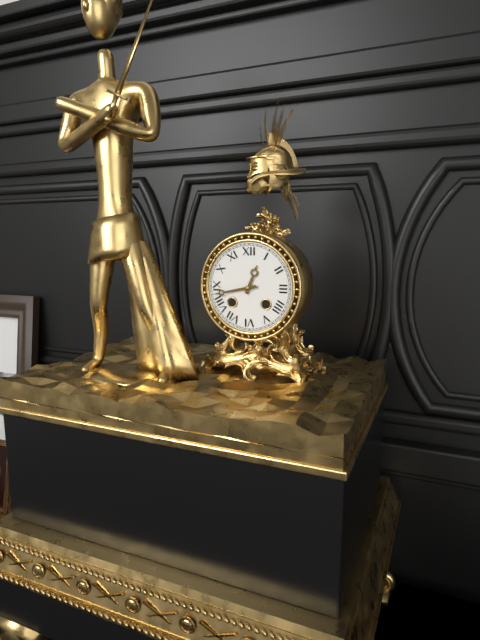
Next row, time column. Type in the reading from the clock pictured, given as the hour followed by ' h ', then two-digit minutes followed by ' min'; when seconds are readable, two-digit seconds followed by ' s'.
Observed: 12 h 43 min
